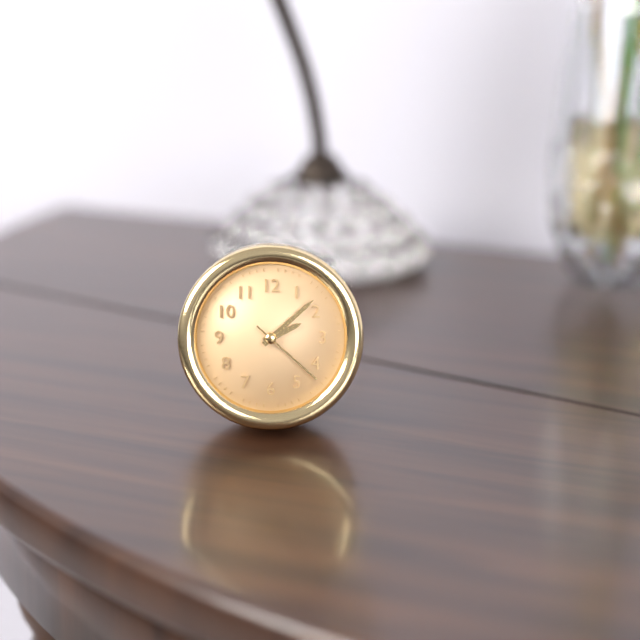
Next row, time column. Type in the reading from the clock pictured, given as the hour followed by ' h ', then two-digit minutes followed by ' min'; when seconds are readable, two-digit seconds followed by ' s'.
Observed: 2 h 08 min 22 s
